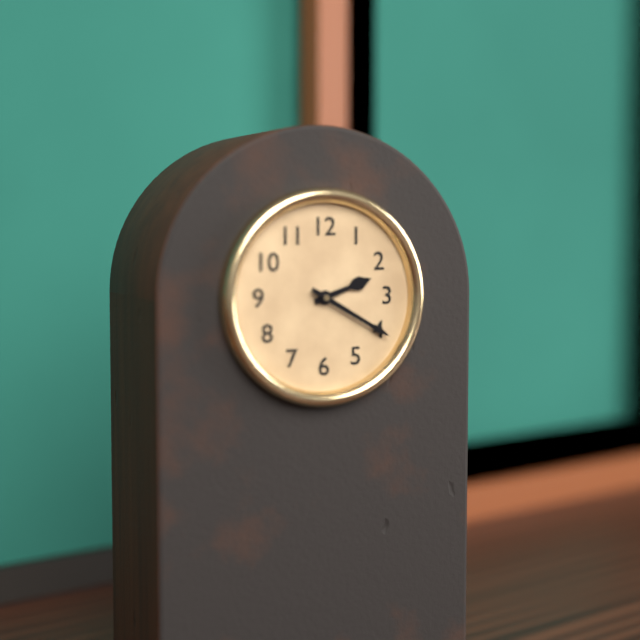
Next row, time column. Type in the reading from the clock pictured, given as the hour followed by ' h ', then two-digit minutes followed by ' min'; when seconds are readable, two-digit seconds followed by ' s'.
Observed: 2 h 20 min
